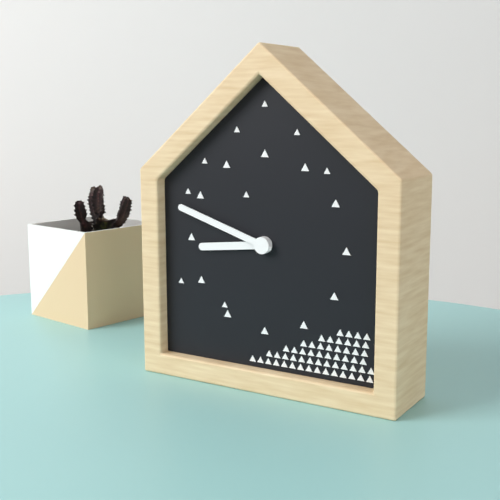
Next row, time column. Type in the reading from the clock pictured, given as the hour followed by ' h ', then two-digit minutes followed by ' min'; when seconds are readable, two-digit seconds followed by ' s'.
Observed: 8 h 48 min
